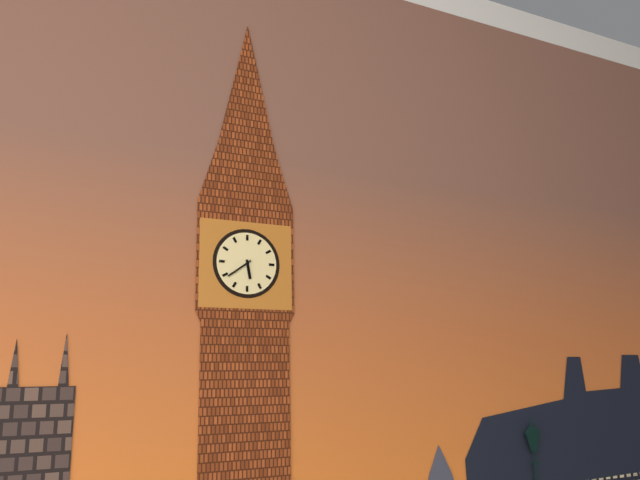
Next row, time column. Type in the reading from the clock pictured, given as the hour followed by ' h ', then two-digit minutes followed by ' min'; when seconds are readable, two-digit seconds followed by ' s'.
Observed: 5 h 39 min
